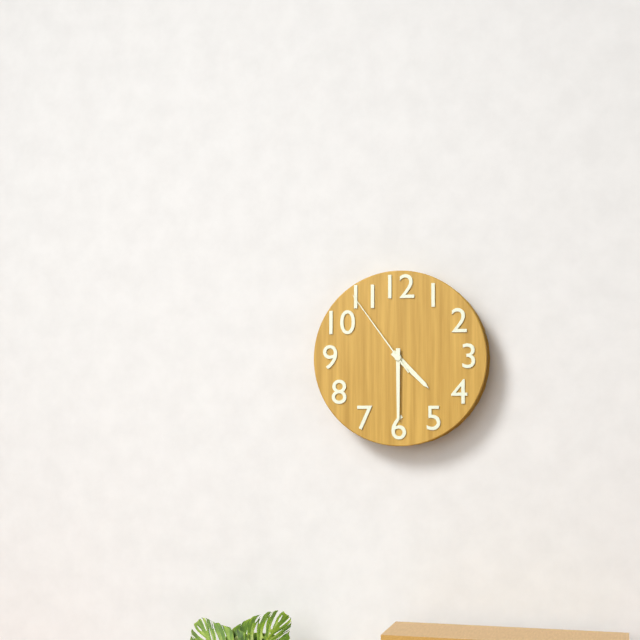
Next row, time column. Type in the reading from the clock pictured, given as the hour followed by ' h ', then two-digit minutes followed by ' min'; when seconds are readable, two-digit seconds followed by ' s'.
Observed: 4 h 30 min 54 s
